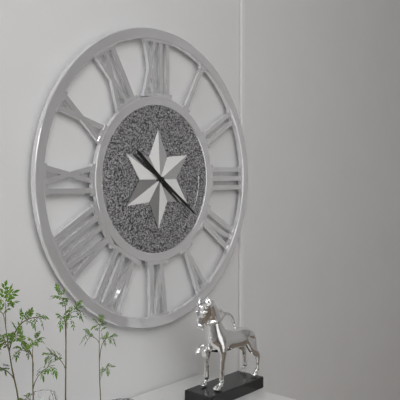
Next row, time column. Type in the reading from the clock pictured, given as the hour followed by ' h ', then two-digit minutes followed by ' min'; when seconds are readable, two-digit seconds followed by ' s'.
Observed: 10 h 21 min
